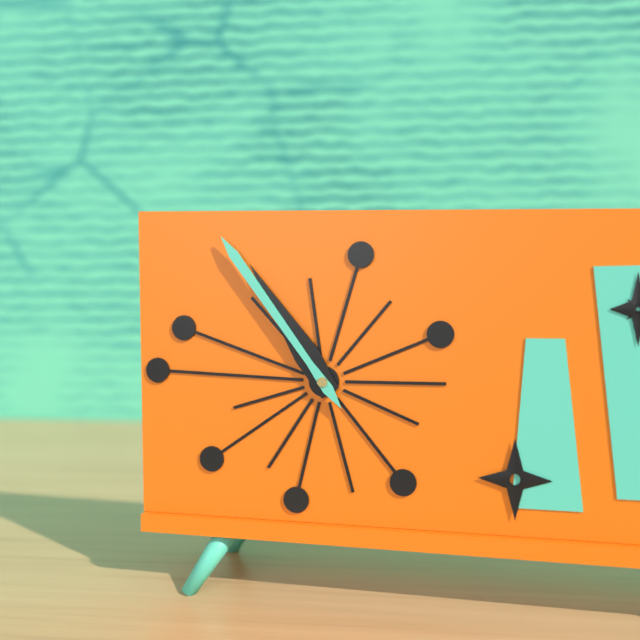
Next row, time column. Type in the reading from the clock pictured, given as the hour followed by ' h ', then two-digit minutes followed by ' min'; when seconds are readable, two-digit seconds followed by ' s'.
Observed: 10 h 54 min
